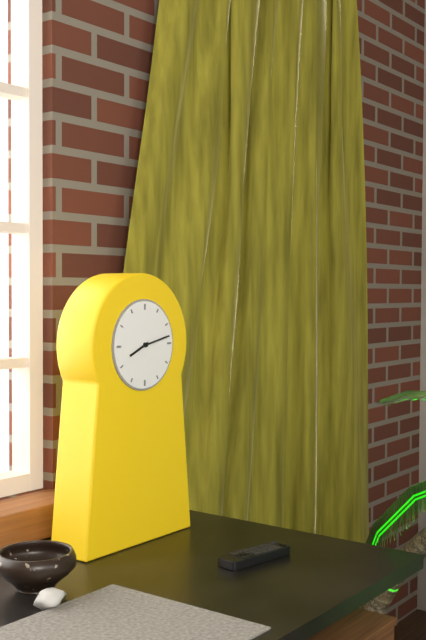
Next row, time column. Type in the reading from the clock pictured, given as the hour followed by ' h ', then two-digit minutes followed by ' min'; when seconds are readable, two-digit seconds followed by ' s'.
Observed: 8 h 13 min
